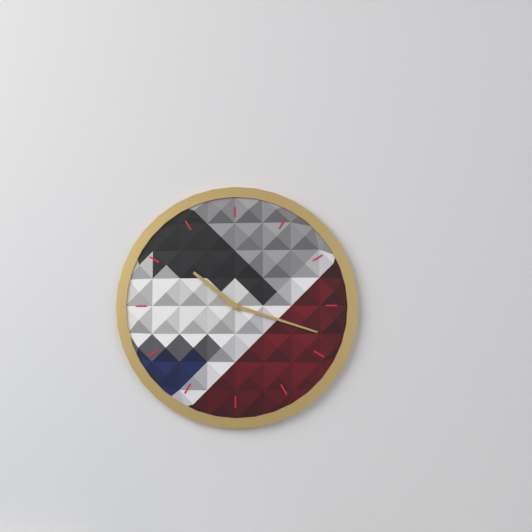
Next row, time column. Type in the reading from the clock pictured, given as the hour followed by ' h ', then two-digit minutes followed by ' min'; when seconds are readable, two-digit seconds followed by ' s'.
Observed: 10 h 18 min
